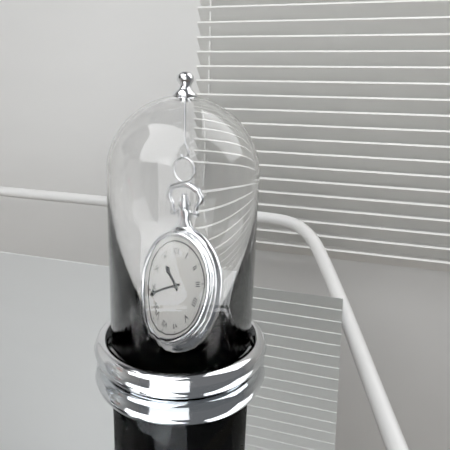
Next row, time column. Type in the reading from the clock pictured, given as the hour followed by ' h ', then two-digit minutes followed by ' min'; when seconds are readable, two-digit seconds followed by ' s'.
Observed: 10 h 44 min
